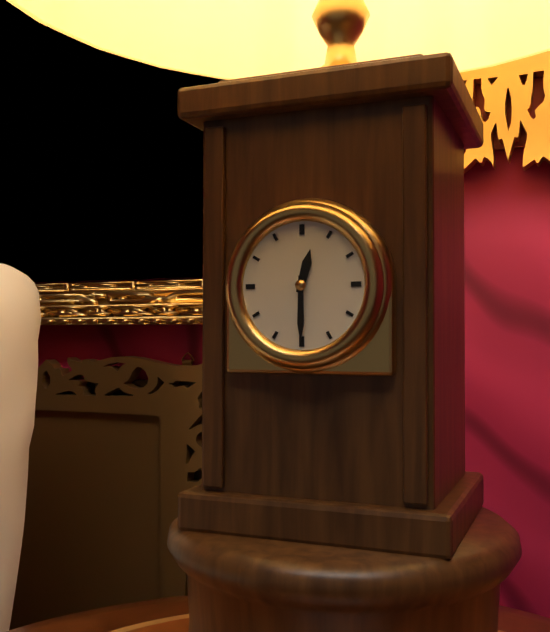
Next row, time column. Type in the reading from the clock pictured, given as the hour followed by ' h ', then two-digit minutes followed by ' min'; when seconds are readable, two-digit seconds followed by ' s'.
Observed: 12 h 30 min
